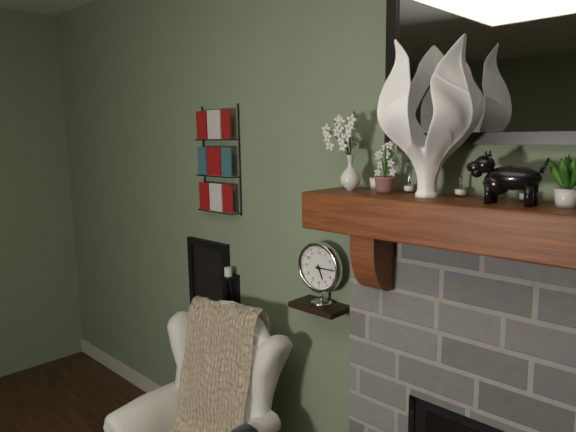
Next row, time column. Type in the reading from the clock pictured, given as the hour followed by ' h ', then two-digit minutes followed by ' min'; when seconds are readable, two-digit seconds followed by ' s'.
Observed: 5 h 15 min
